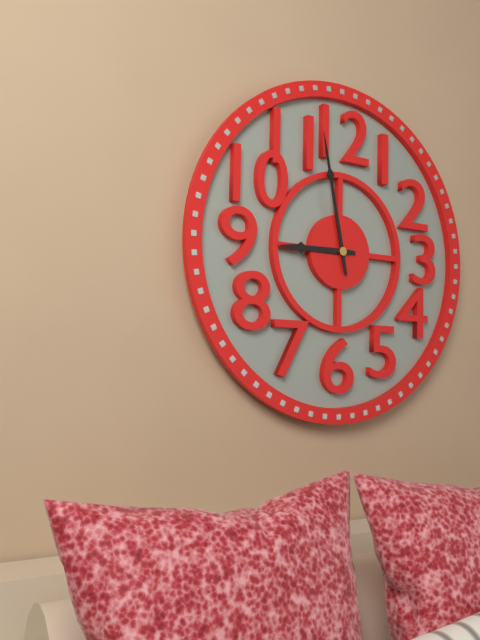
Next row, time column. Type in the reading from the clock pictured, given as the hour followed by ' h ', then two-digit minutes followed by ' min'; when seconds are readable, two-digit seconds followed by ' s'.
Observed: 8 h 58 min
